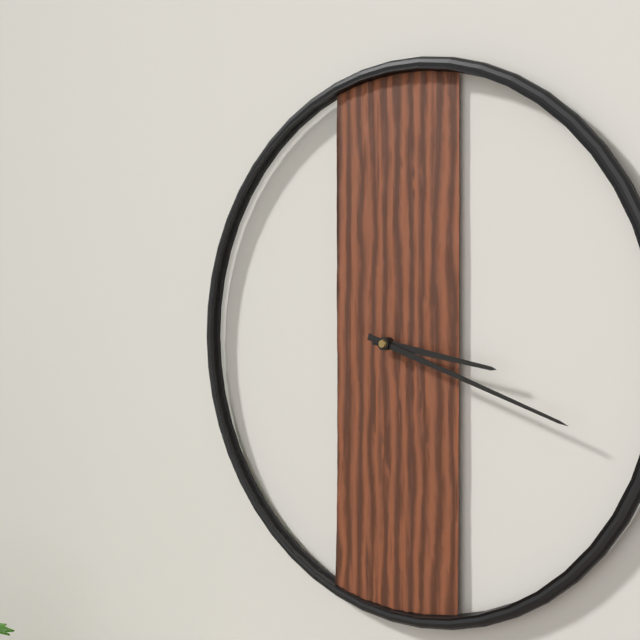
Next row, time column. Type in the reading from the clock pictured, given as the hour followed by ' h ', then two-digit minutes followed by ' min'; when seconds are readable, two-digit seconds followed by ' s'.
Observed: 3 h 18 min
